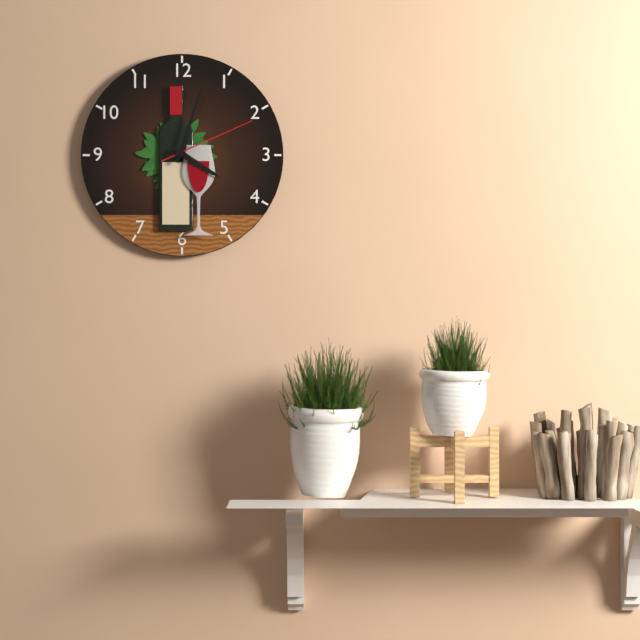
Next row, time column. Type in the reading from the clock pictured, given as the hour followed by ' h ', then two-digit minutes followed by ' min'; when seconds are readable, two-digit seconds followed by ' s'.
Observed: 4 h 03 min 11 s
